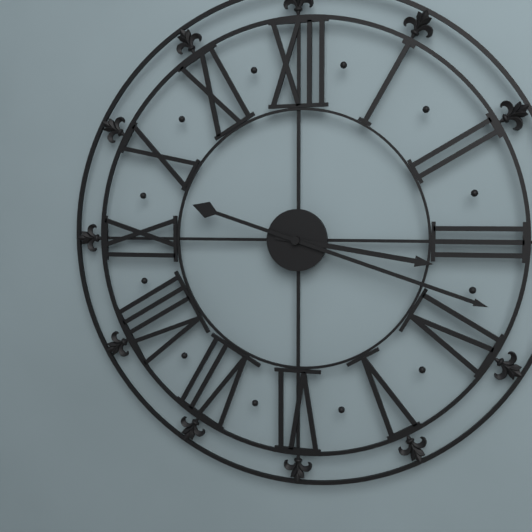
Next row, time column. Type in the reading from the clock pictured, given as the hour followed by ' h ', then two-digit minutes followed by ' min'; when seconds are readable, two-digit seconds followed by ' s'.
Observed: 3 h 18 min
